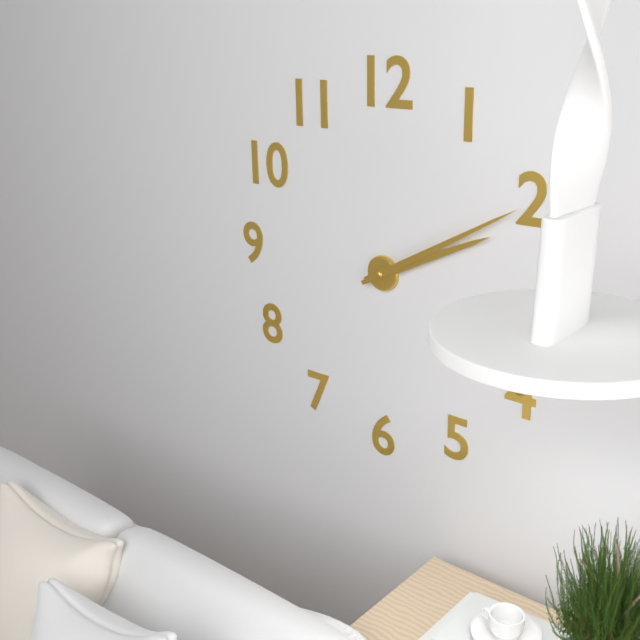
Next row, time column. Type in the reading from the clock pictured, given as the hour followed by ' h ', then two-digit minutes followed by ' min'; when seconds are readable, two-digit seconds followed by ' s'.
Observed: 2 h 10 min
